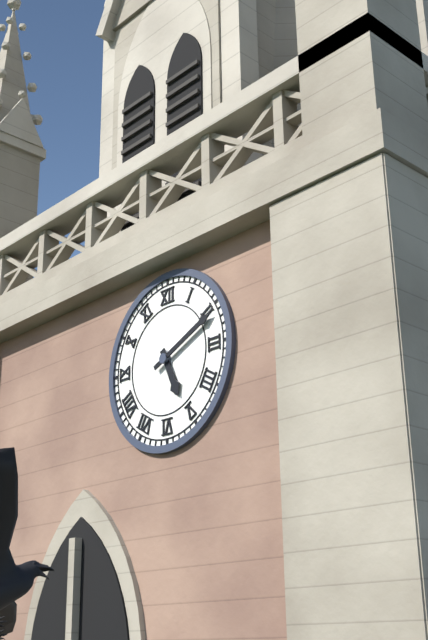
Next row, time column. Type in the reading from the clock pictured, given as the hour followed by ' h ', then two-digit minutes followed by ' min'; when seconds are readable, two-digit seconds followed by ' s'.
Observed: 5 h 11 min
